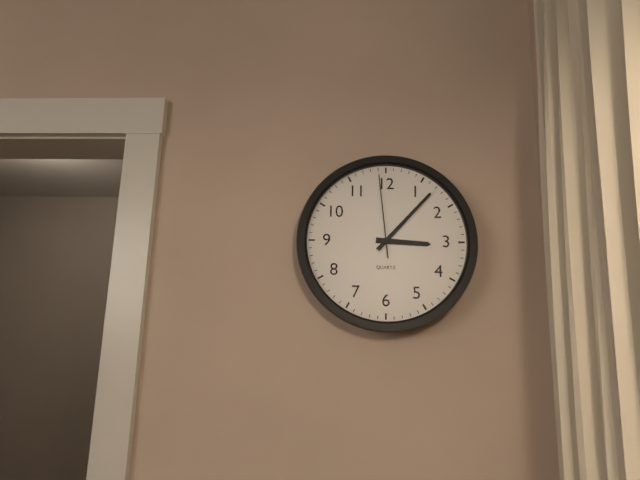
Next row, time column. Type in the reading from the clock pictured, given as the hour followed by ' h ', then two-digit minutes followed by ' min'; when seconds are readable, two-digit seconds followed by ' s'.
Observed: 3 h 07 min 59 s
